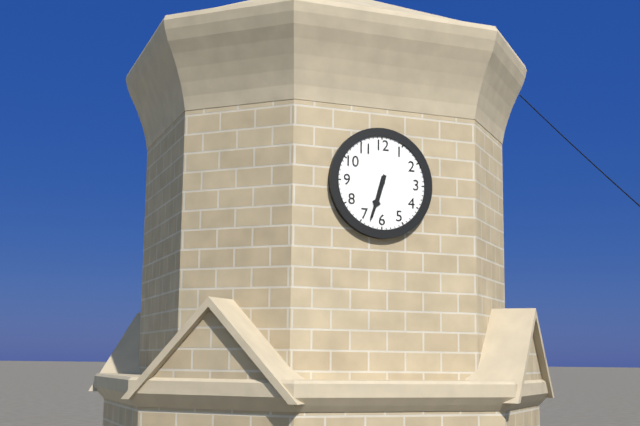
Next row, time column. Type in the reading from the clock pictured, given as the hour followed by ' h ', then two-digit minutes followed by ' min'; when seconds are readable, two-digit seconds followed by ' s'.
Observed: 6 h 33 min
